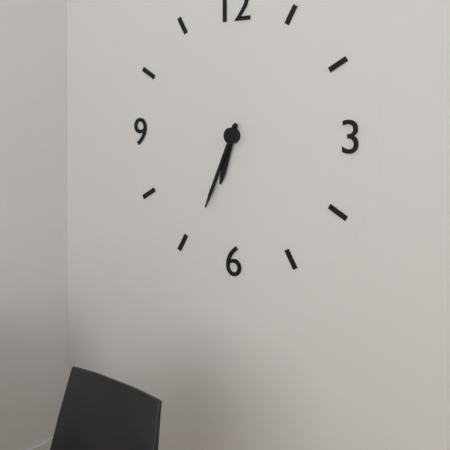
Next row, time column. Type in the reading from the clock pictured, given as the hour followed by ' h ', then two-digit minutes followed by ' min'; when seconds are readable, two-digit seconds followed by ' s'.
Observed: 6 h 34 min
